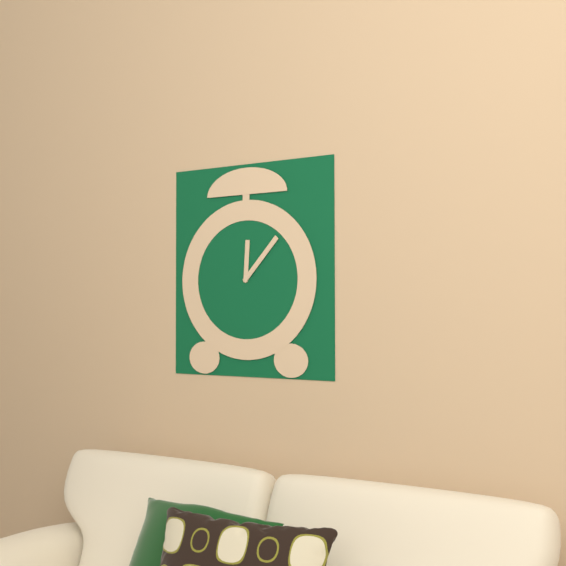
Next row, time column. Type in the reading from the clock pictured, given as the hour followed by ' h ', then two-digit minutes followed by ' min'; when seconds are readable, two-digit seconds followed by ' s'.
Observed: 12 h 07 min
